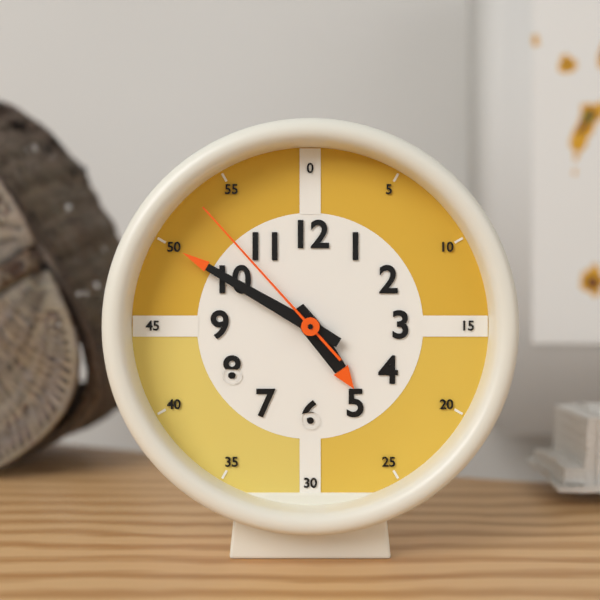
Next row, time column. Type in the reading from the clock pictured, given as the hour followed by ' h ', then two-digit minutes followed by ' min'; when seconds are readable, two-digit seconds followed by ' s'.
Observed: 4 h 50 min 53 s
